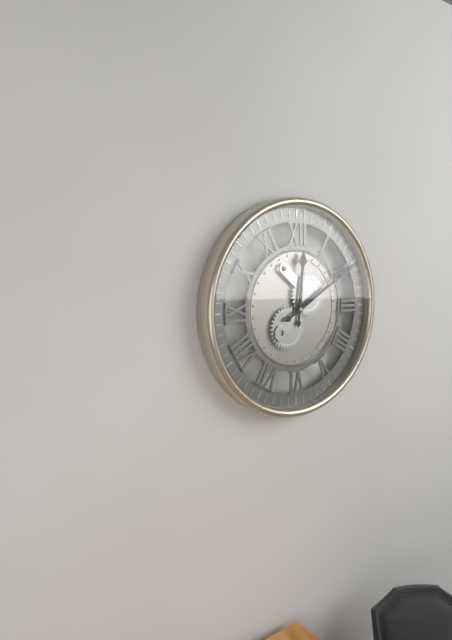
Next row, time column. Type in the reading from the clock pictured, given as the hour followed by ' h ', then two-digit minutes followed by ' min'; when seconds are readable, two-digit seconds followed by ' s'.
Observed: 12 h 10 min
